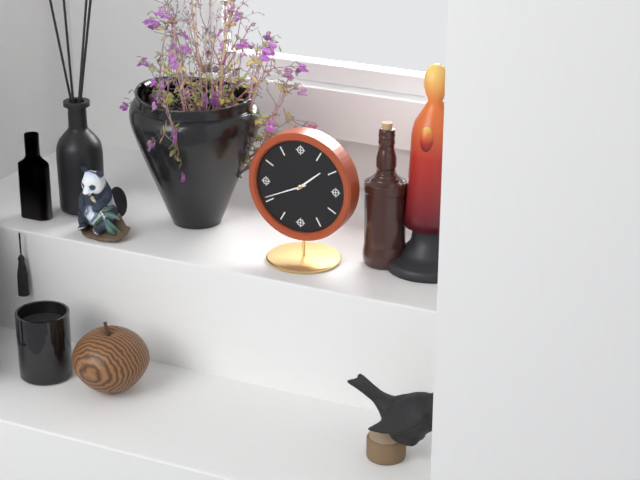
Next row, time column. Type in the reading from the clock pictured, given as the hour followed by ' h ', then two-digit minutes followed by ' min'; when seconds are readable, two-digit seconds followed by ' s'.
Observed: 1 h 41 min
